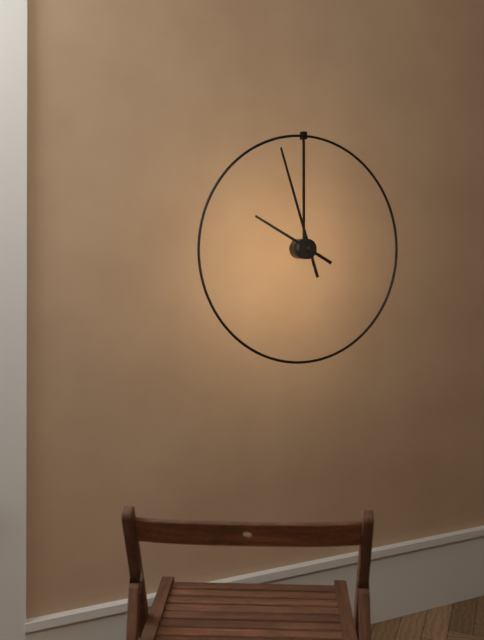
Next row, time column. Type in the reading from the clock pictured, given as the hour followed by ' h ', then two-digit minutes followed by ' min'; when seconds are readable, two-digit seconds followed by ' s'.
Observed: 9 h 57 min
